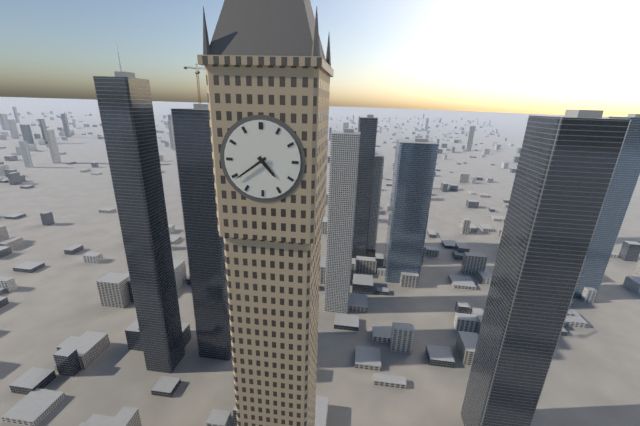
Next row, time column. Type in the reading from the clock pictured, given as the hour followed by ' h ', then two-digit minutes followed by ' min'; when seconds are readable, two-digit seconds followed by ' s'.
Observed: 4 h 39 min
